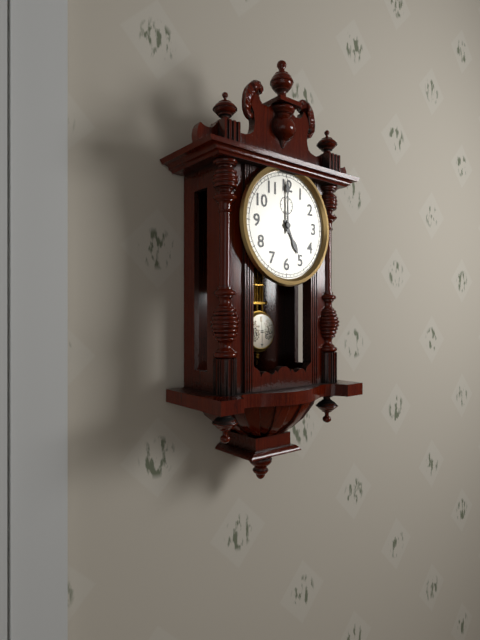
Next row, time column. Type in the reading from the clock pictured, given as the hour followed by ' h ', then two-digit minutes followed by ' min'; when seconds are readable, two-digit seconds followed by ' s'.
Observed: 5 h 00 min
